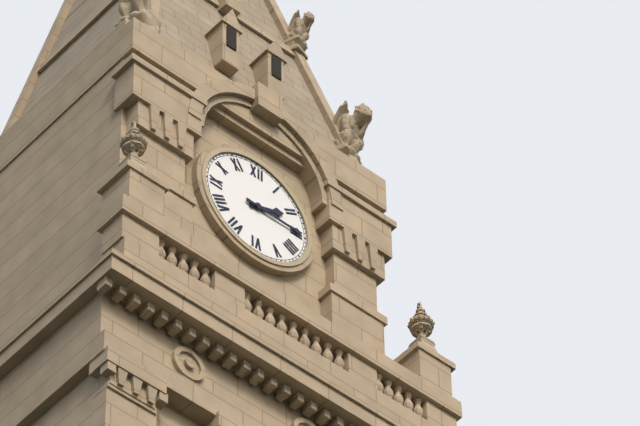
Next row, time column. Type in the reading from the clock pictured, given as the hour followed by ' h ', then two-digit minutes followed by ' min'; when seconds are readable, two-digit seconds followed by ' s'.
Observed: 2 h 15 min
